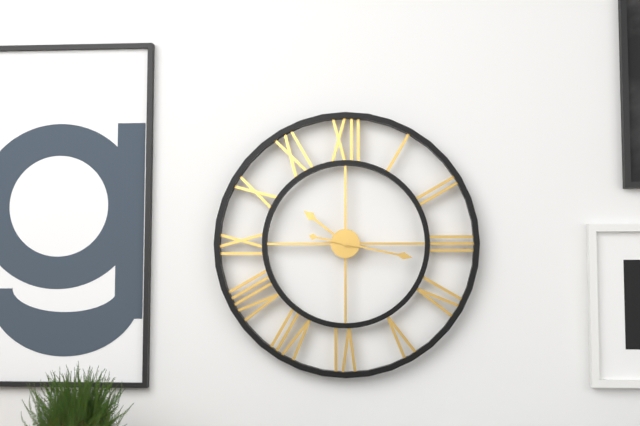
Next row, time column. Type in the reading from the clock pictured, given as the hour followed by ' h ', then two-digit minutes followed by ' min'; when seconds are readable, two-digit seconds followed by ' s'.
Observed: 10 h 17 min
